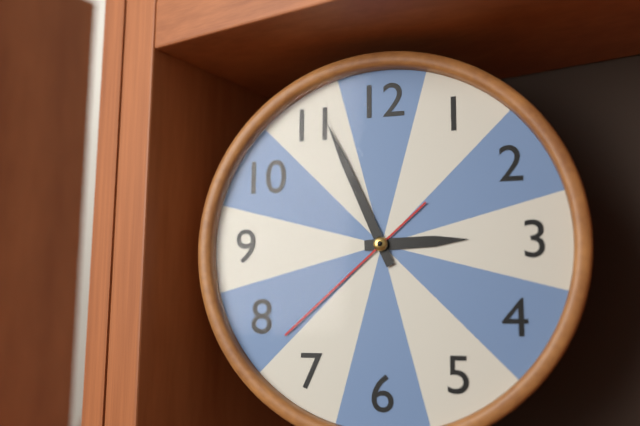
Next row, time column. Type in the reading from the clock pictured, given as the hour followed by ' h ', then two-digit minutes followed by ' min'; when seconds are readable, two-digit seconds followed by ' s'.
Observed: 2 h 56 min 38 s
